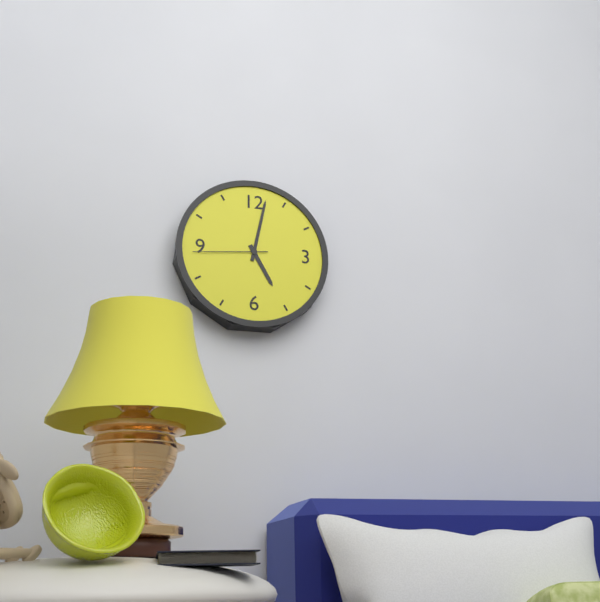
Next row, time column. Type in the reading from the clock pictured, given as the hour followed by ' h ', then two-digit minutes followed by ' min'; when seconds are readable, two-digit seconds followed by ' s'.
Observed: 5 h 02 min 44 s
